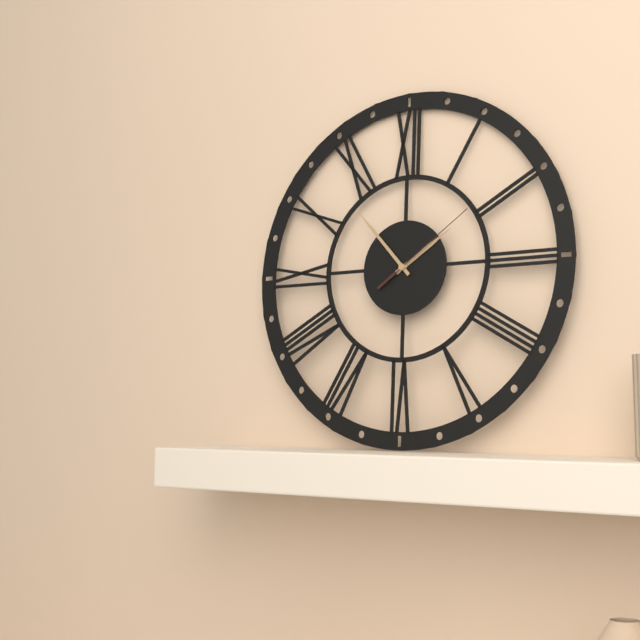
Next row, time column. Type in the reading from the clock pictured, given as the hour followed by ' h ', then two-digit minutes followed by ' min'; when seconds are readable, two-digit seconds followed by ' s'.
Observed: 1 h 53 min 09 s
